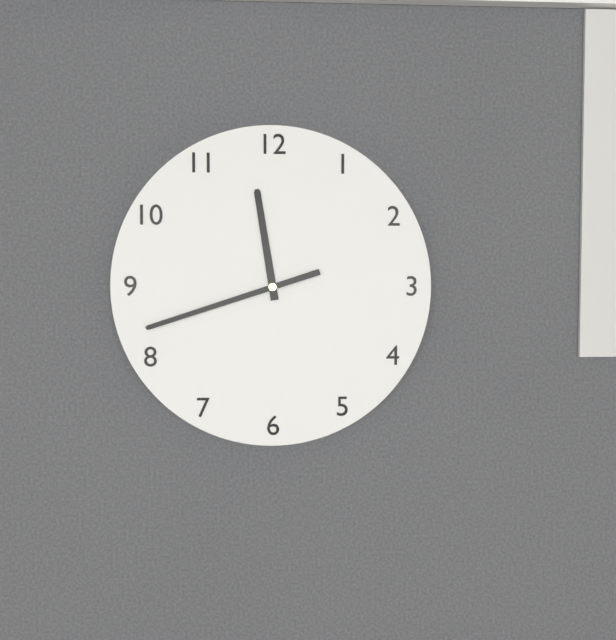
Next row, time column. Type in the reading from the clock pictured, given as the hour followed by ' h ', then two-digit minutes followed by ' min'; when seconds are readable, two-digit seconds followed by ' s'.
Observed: 11 h 42 min
